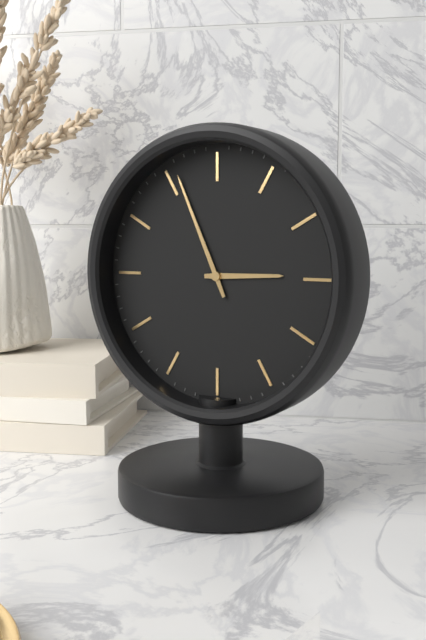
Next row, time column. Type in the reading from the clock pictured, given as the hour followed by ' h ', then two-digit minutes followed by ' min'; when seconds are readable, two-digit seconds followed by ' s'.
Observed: 2 h 56 min
